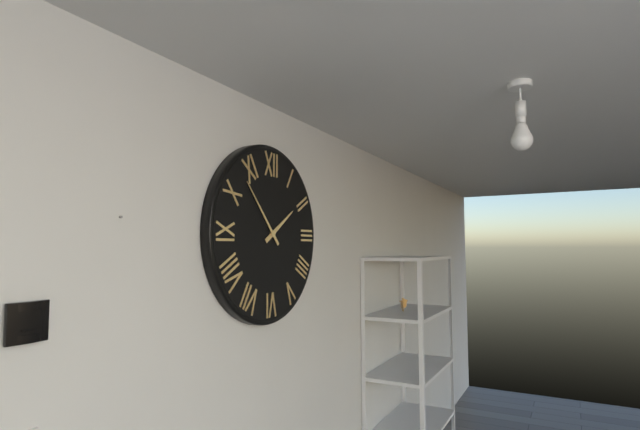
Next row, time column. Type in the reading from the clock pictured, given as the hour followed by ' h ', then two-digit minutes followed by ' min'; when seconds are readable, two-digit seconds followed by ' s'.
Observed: 1 h 53 min
